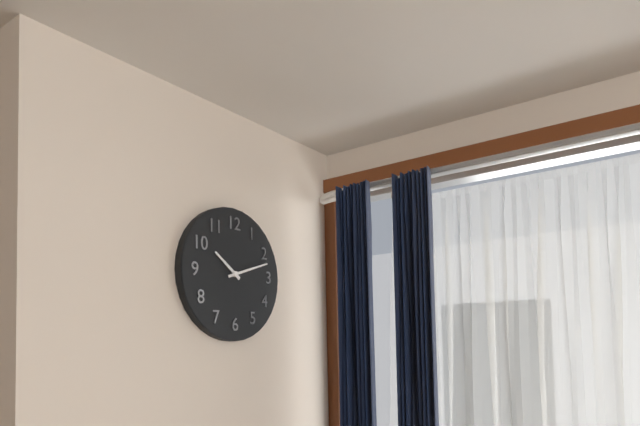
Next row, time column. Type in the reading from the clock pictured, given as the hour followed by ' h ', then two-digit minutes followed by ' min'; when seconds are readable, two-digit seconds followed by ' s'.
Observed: 10 h 12 min
